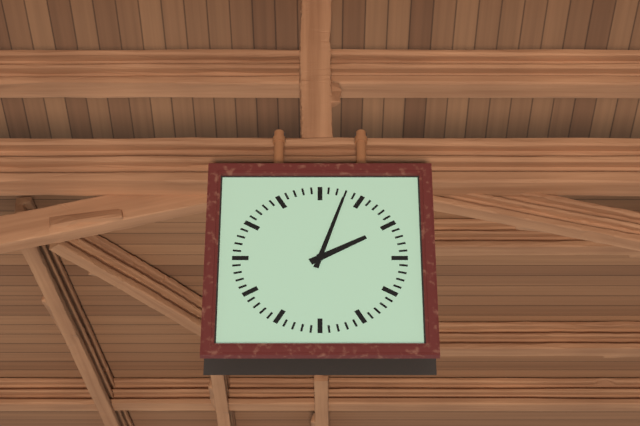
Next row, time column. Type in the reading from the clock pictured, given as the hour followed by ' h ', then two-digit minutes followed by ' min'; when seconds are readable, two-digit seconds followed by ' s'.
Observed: 2 h 03 min
